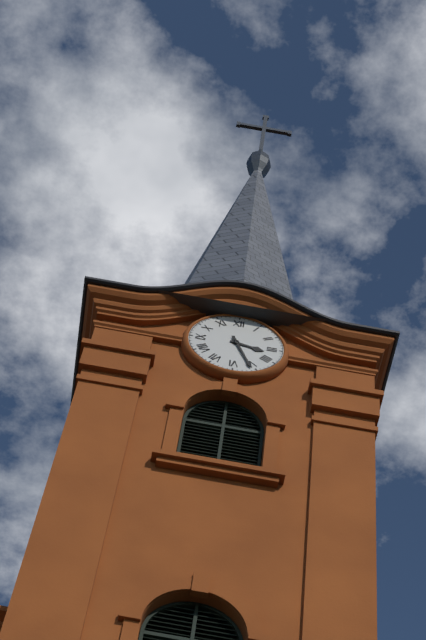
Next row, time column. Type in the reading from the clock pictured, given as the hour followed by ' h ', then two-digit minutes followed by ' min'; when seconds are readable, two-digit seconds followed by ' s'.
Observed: 3 h 26 min
